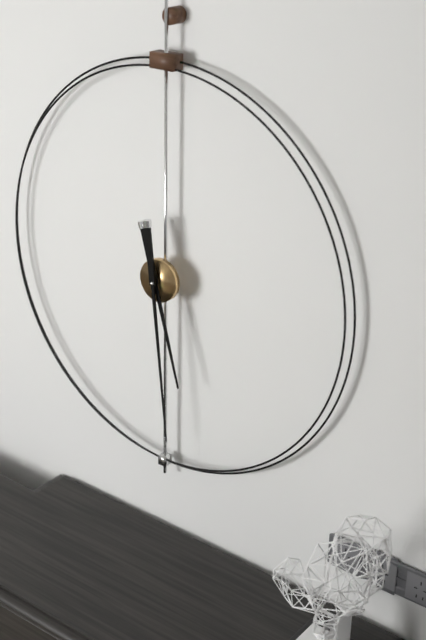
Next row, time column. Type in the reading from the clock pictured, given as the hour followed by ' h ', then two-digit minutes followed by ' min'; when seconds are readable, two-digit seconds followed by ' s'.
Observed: 5 h 29 min
